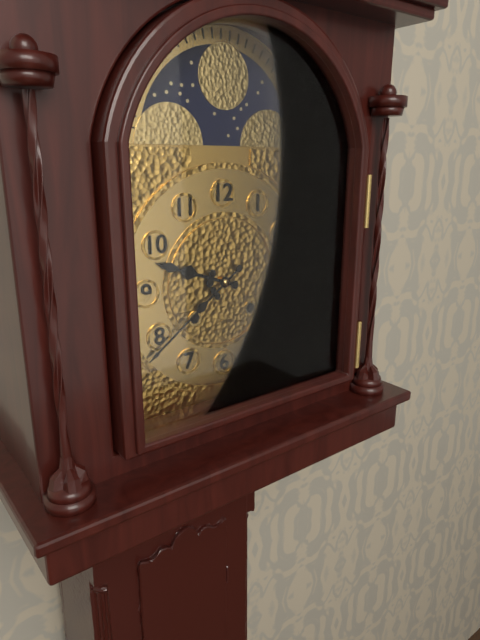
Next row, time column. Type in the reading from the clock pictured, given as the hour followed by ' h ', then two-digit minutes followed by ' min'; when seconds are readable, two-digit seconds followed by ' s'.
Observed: 9 h 39 min
